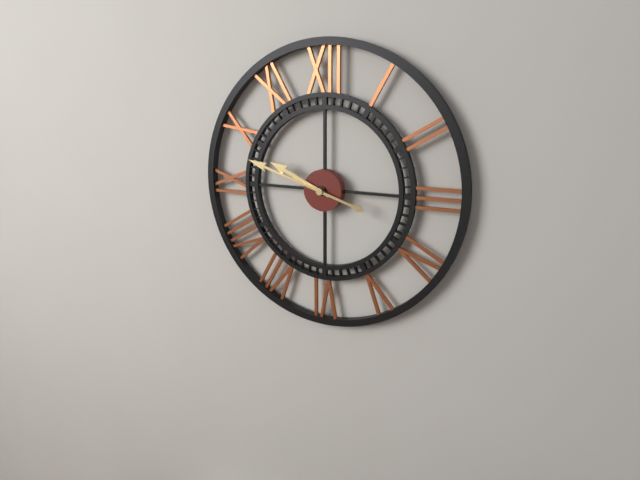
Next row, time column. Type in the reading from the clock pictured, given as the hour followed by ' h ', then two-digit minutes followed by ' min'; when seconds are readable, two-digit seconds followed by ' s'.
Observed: 9 h 48 min
